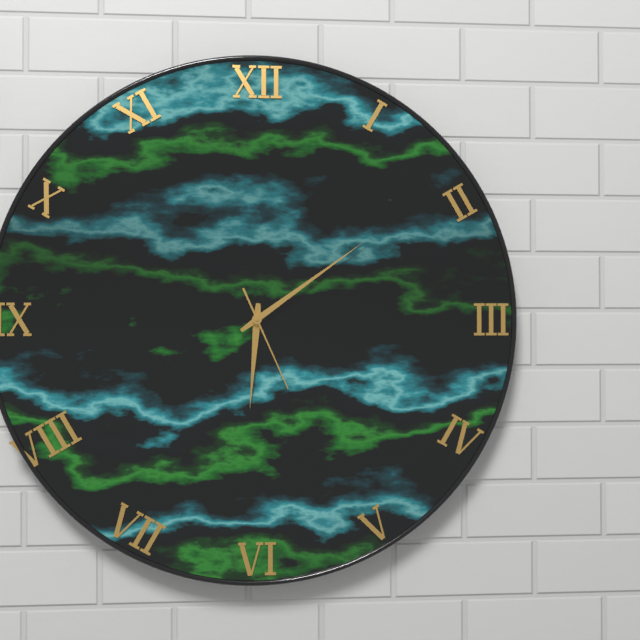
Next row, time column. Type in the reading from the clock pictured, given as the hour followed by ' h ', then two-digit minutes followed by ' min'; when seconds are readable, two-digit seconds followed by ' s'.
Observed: 6 h 09 min 26 s
